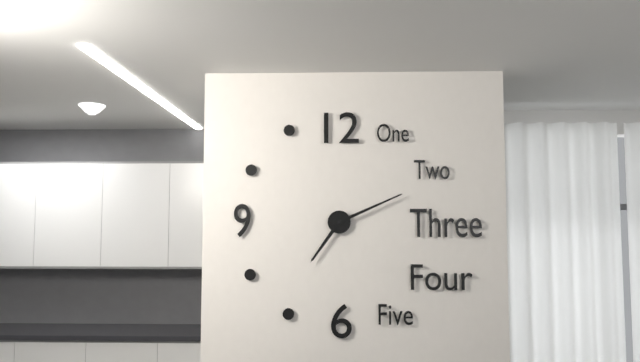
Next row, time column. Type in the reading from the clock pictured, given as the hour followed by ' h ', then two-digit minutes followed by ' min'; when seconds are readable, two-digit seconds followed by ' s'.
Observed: 7 h 11 min
